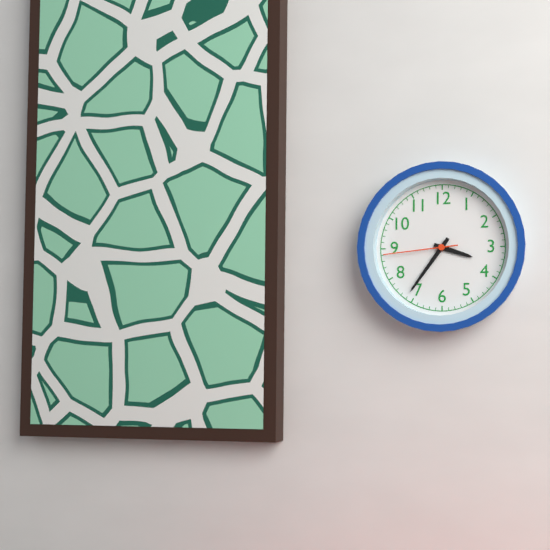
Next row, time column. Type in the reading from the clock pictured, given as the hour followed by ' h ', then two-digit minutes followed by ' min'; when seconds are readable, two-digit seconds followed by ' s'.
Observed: 3 h 36 min 44 s
